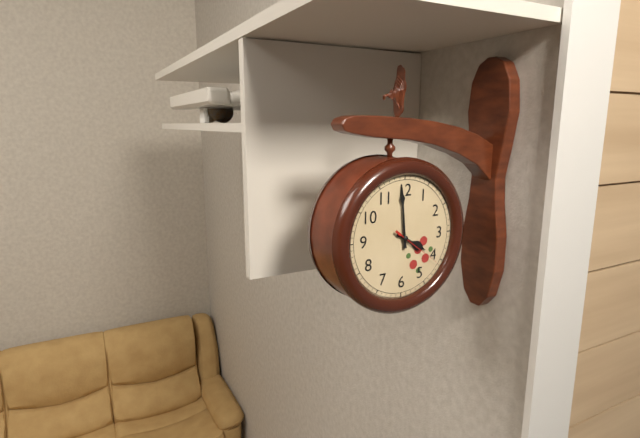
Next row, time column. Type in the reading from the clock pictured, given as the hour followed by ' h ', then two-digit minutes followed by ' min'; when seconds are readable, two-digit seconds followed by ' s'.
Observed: 3 h 59 min 21 s
